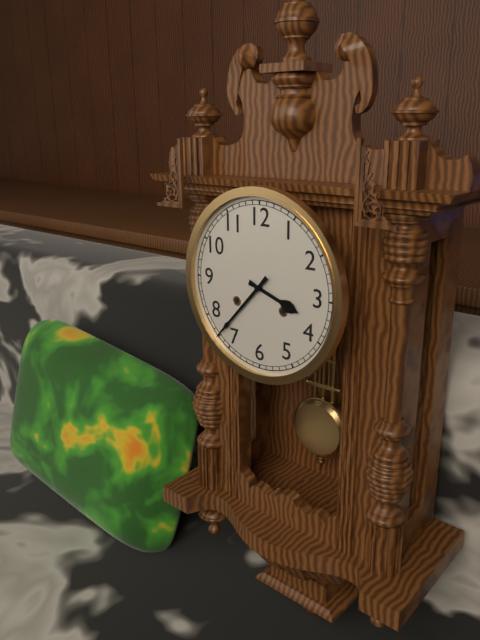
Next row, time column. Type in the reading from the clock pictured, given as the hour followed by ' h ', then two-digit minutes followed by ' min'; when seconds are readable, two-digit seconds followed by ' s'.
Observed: 3 h 37 min
